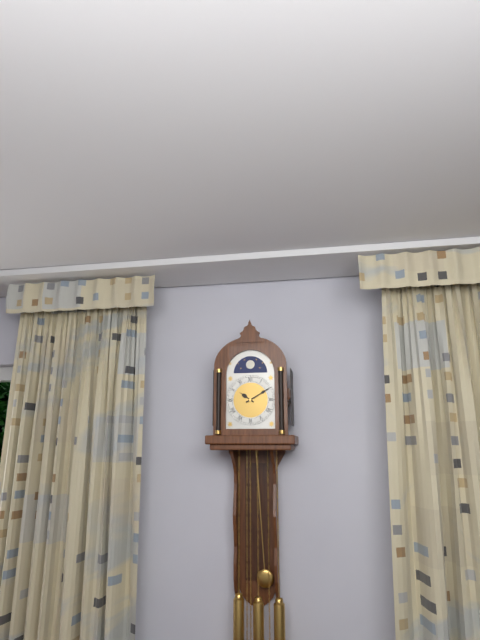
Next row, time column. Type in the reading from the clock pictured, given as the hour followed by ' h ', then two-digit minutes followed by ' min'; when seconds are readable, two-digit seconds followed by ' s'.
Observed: 10 h 10 min
